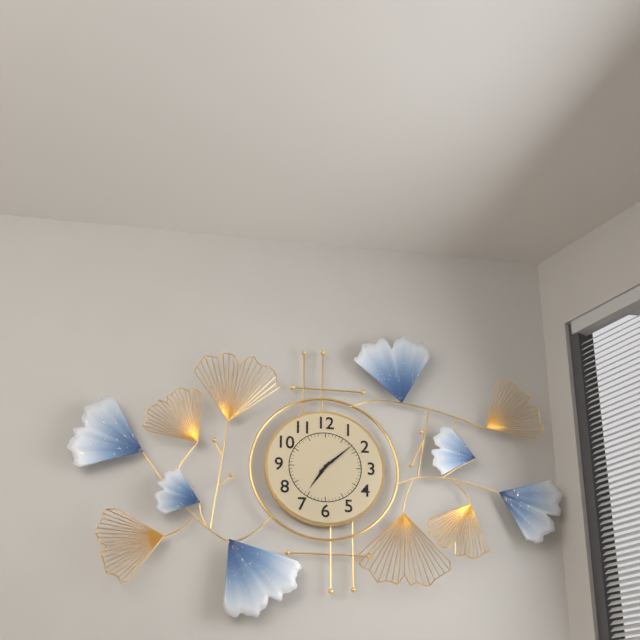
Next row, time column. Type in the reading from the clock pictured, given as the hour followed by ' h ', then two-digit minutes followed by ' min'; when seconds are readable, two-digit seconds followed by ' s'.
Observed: 7 h 08 min
